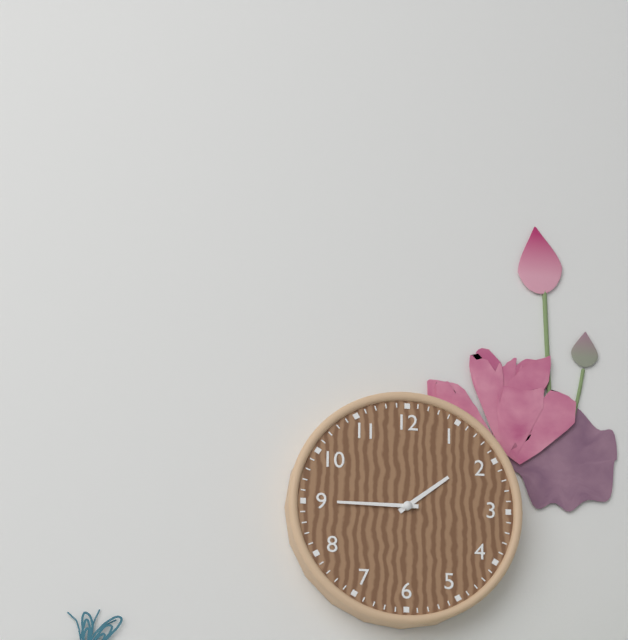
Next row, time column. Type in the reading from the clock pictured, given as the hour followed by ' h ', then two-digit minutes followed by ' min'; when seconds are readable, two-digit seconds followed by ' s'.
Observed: 1 h 45 min
